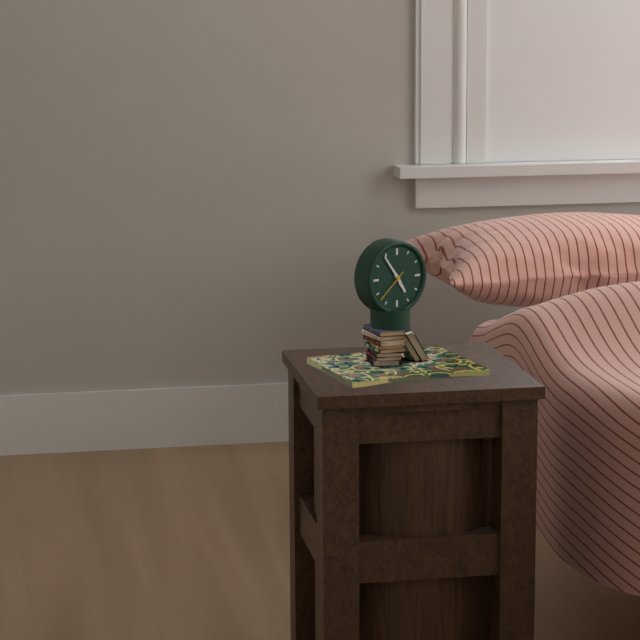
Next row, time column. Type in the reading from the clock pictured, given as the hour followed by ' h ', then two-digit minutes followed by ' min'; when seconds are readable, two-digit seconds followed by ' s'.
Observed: 4 h 54 min
